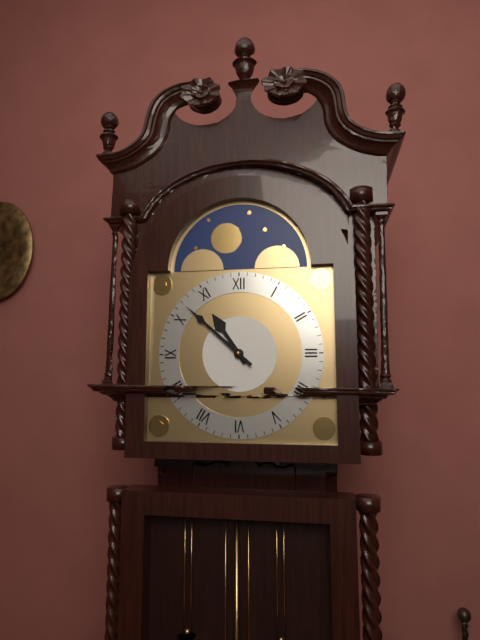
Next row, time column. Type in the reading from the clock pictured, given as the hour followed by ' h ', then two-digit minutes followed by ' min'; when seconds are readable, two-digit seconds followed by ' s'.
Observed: 10 h 52 min
